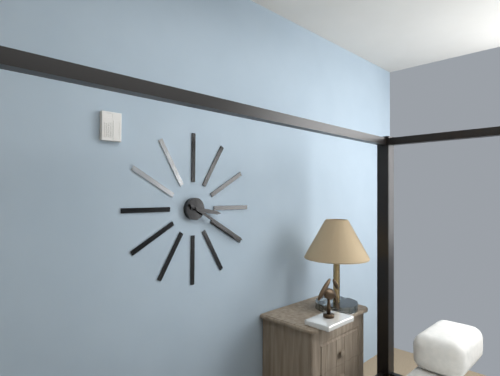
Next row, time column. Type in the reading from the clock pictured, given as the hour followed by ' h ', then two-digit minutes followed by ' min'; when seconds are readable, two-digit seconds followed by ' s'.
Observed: 3 h 20 min
